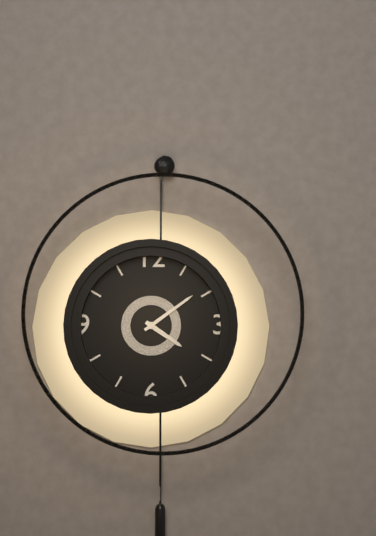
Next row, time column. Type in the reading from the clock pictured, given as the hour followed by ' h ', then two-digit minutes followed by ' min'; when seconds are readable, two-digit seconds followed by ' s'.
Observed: 4 h 09 min
